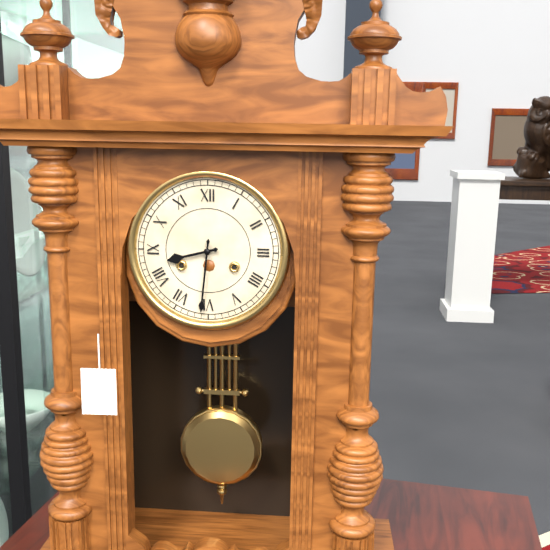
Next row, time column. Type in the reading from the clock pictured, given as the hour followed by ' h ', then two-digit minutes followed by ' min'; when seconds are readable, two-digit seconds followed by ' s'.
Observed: 8 h 31 min
